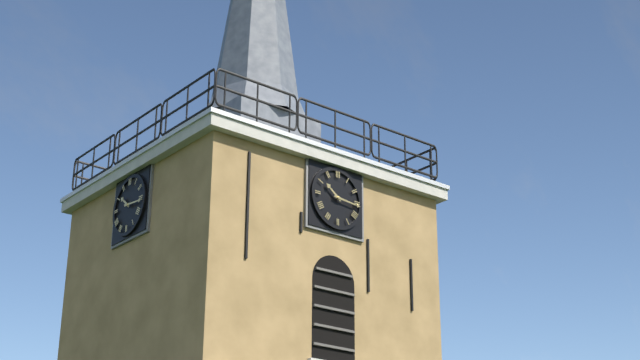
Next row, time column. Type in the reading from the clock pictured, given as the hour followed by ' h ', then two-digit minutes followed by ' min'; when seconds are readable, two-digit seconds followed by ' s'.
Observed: 10 h 16 min
